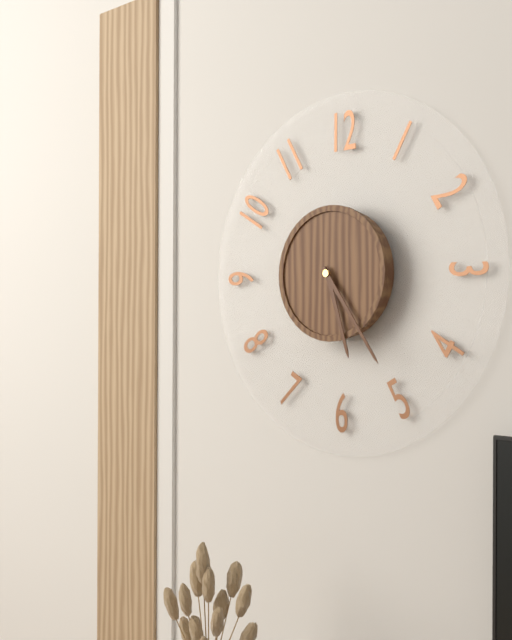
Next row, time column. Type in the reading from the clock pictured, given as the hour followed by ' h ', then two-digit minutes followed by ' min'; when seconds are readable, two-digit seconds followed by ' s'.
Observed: 5 h 24 min
